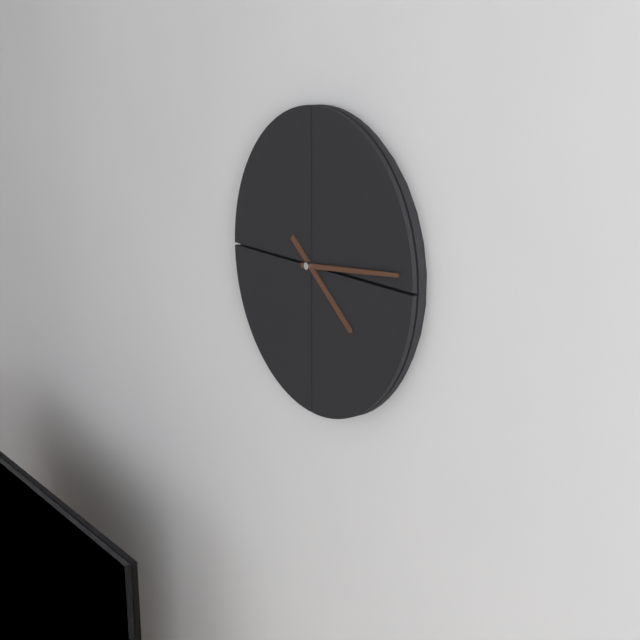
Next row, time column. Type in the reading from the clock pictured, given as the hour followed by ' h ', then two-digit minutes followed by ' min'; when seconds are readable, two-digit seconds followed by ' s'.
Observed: 4 h 14 min
